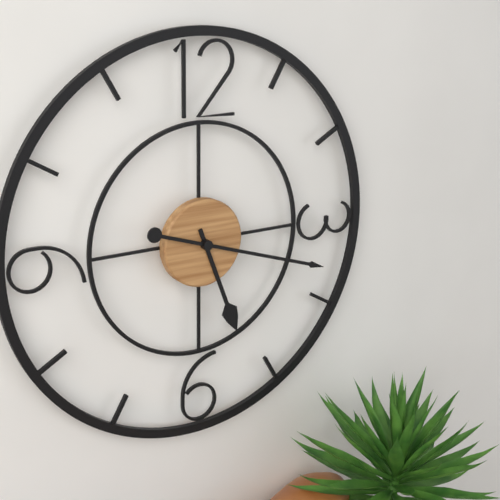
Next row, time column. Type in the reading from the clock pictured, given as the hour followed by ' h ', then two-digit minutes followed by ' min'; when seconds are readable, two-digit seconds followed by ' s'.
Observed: 5 h 18 min
